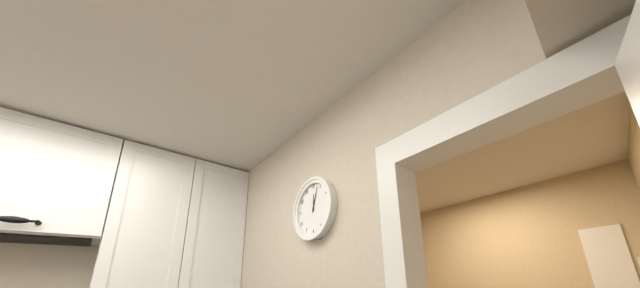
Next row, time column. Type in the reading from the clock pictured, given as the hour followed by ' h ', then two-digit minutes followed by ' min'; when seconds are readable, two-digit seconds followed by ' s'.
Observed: 12 h 03 min
